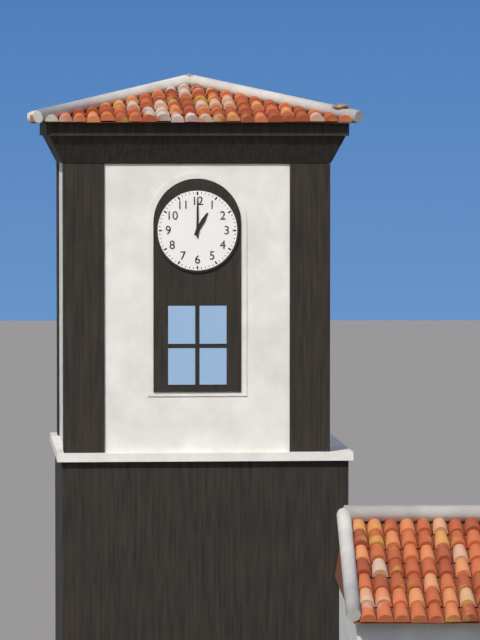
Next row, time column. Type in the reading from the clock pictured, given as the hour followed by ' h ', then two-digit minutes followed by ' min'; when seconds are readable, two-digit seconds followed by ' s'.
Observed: 1 h 00 min
